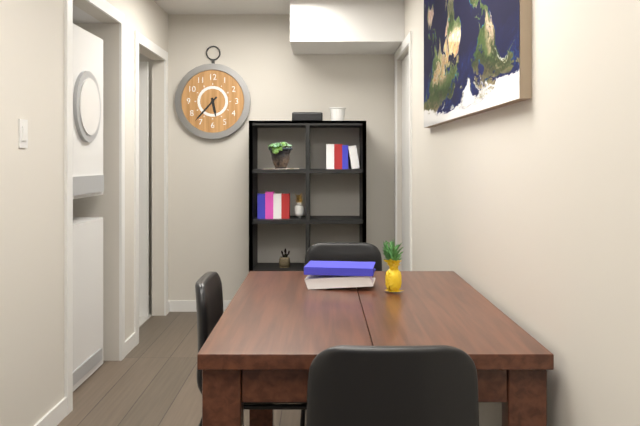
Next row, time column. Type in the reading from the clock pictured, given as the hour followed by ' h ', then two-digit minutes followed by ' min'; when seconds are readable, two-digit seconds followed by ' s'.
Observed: 5 h 37 min
